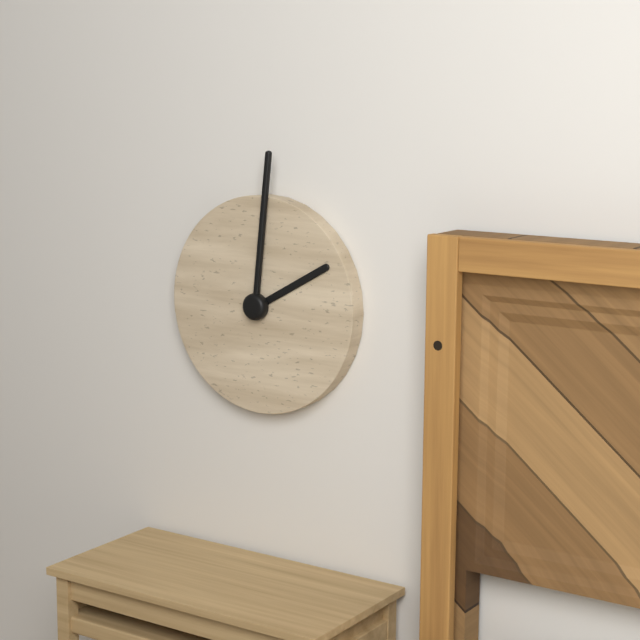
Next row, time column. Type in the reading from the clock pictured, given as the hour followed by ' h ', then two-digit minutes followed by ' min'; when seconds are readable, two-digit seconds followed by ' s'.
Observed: 2 h 01 min
